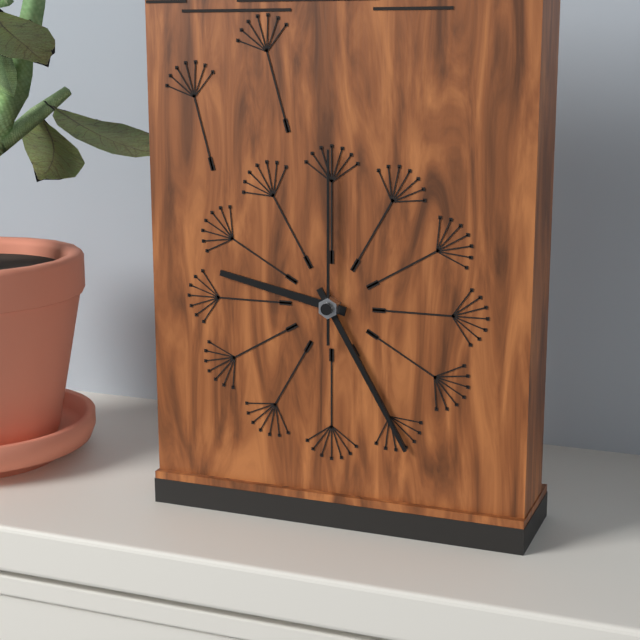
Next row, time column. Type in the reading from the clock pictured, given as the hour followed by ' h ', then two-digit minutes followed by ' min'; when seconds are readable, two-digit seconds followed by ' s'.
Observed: 9 h 25 min 00 s
